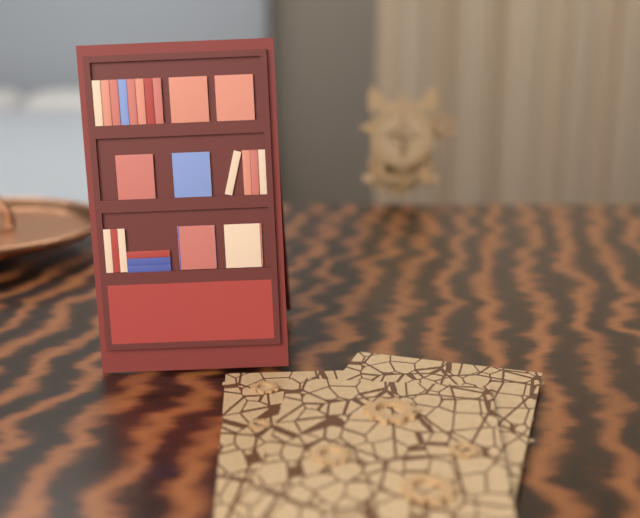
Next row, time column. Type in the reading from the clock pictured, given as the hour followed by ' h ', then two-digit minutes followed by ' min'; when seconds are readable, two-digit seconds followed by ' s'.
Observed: 9 h 29 min
